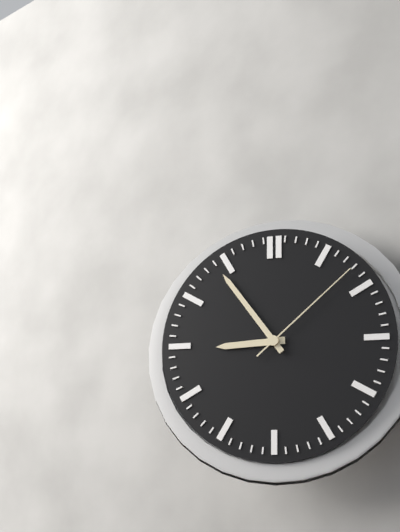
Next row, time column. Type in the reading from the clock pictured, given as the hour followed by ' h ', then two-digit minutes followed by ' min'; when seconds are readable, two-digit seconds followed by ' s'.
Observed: 8 h 54 min 08 s
